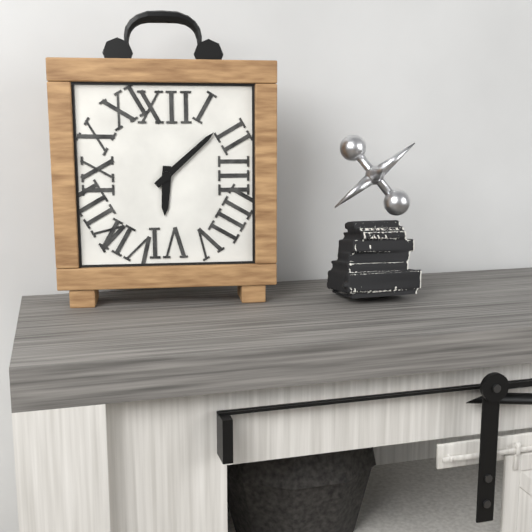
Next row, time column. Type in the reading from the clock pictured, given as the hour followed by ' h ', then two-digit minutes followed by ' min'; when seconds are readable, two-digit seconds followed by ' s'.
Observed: 6 h 08 min
